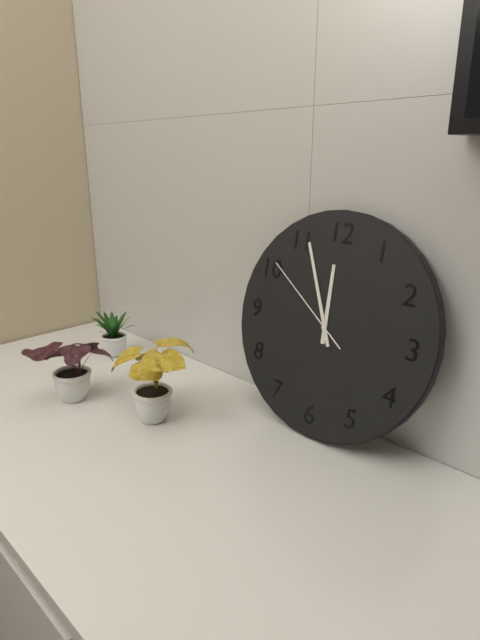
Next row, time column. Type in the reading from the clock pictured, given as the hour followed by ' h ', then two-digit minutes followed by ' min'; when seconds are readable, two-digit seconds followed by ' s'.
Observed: 11 h 56 min 51 s
